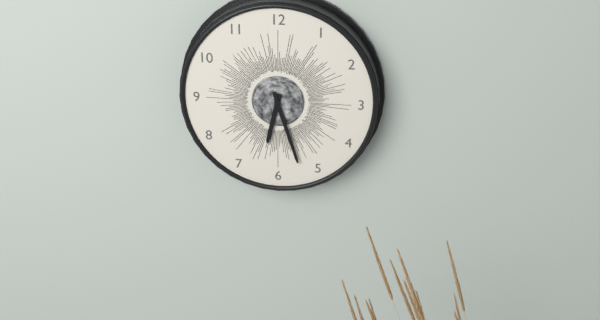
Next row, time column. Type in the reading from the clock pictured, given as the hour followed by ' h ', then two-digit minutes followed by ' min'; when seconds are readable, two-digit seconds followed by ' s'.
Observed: 6 h 27 min
